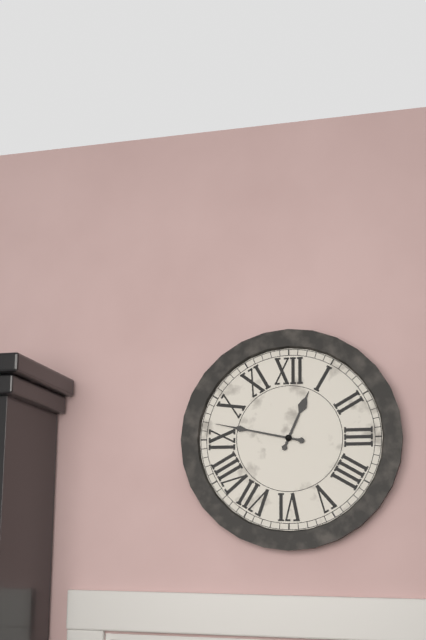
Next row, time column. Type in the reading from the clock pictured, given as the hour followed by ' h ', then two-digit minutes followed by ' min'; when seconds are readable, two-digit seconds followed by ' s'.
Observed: 12 h 47 min
